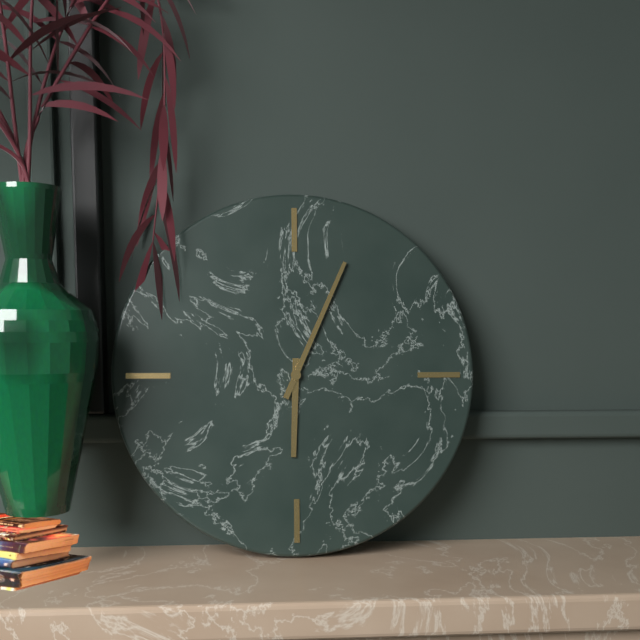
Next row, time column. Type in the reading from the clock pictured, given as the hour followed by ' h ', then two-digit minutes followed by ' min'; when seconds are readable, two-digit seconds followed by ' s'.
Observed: 6 h 04 min
